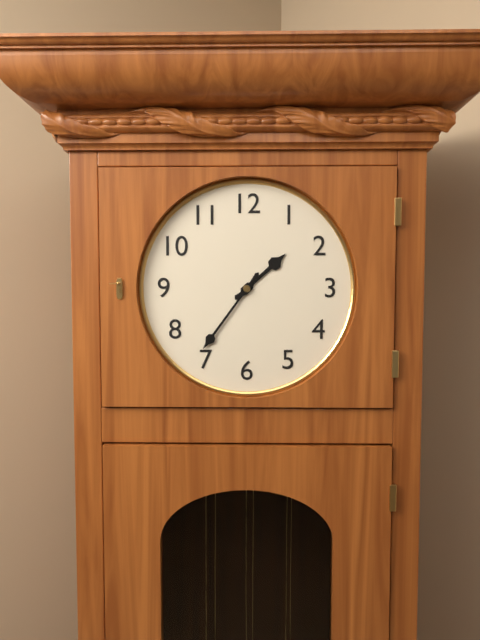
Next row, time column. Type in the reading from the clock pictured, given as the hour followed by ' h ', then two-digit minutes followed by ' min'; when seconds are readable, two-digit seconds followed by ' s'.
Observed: 1 h 36 min
